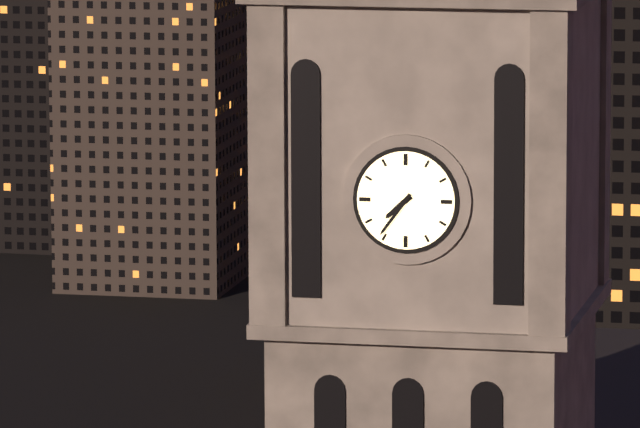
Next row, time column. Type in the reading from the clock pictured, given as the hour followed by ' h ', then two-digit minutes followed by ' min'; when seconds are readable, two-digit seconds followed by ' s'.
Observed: 7 h 36 min
